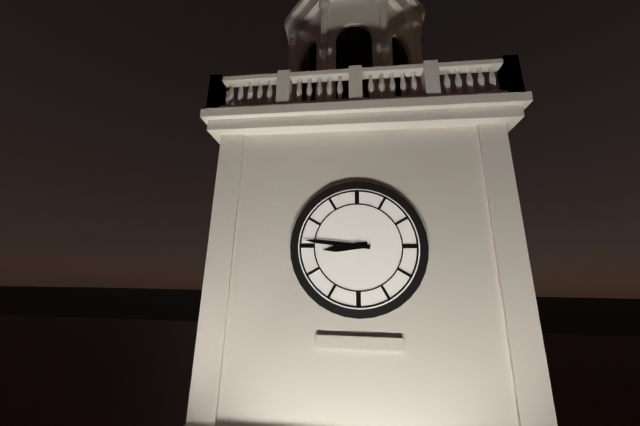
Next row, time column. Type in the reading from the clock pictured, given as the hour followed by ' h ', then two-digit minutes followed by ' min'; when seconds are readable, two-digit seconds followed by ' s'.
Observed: 8 h 46 min
